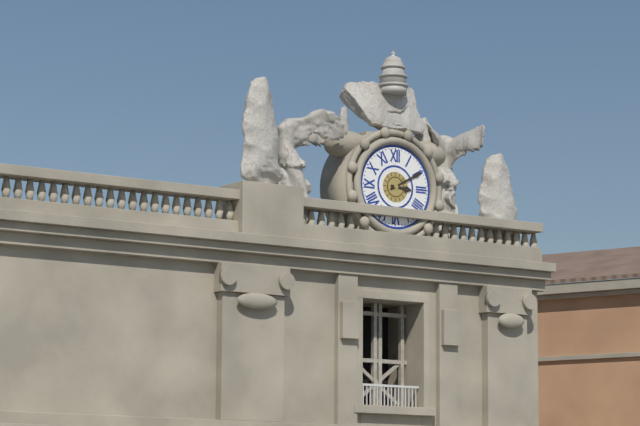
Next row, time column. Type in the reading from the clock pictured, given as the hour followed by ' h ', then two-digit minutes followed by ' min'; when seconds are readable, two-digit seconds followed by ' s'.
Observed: 3 h 10 min
